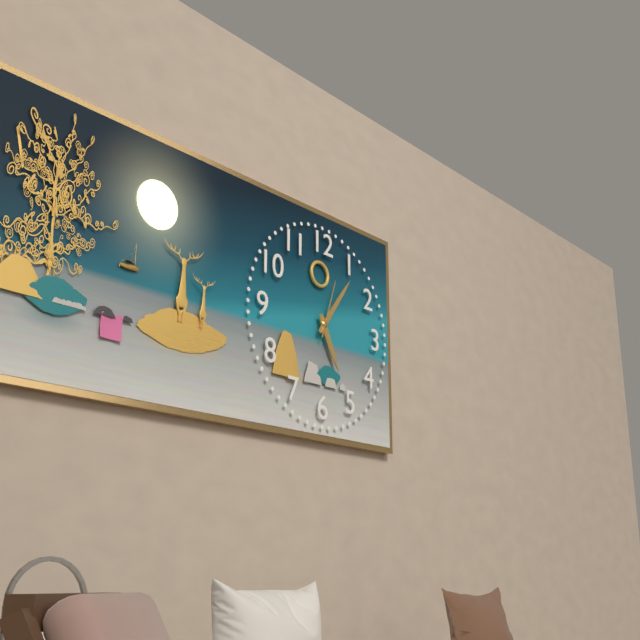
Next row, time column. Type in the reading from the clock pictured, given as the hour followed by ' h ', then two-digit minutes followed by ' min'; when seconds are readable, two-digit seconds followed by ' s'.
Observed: 5 h 06 min 03 s
